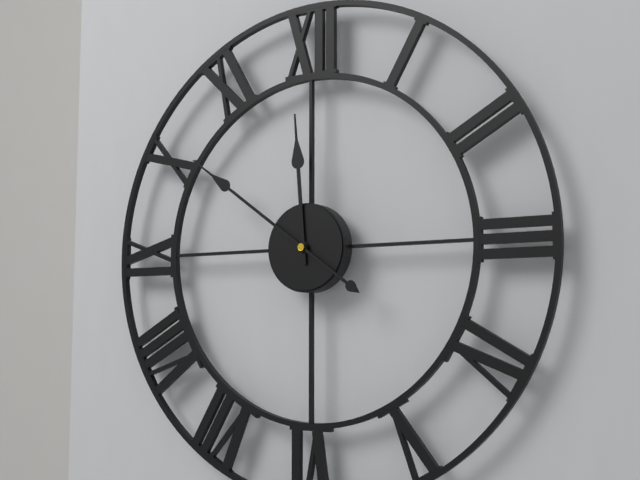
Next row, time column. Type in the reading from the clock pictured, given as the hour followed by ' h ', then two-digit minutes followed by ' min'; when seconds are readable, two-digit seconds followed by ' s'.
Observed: 11 h 51 min
